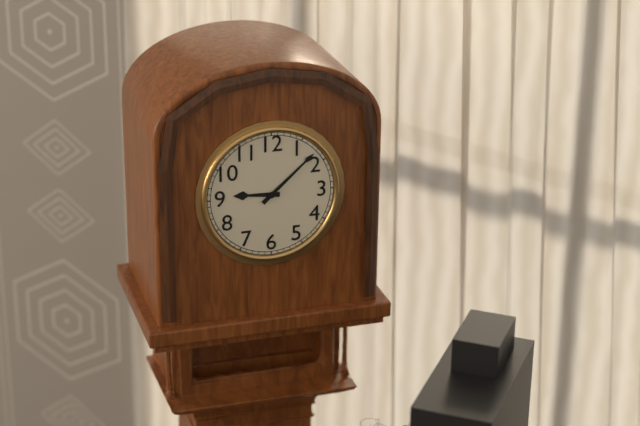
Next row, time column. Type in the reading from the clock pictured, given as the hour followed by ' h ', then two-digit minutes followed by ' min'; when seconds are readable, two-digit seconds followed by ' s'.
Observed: 9 h 08 min
